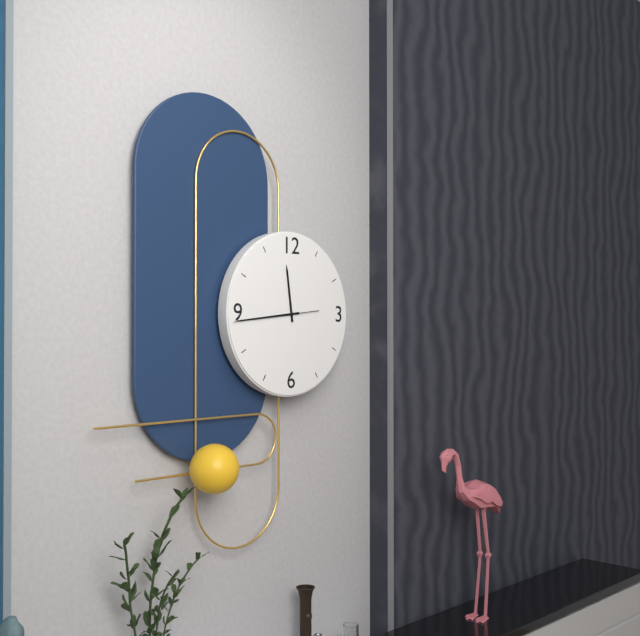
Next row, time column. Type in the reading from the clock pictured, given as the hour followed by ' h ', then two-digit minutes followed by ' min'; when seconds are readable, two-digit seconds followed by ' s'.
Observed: 11 h 44 min 44 s
